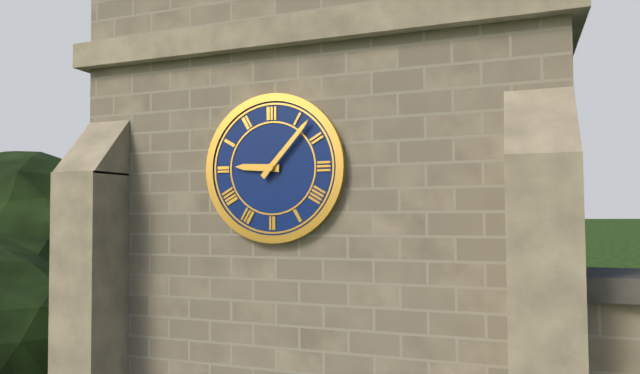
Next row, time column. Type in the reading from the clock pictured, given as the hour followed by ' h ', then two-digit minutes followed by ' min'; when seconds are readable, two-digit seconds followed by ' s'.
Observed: 9 h 07 min
